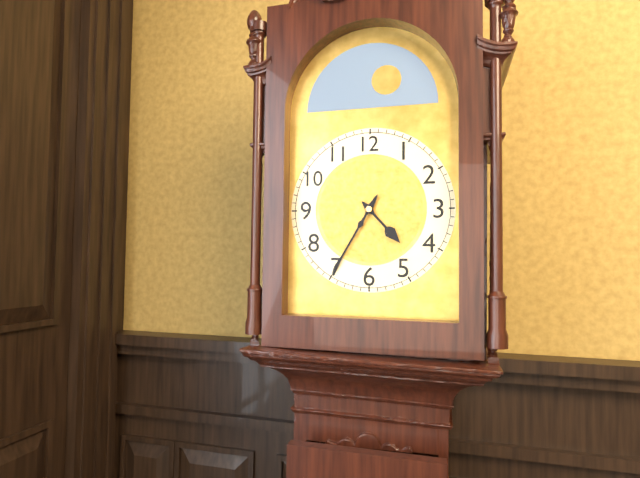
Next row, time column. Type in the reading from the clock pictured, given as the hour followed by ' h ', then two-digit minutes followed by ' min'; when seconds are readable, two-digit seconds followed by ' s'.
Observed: 4 h 35 min
